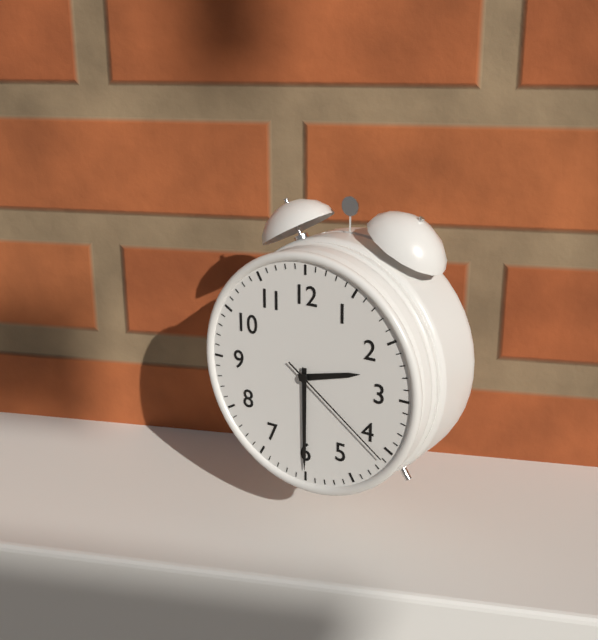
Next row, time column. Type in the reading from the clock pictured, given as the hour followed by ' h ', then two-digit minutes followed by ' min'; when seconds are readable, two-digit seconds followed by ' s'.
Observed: 2 h 30 min 21 s
